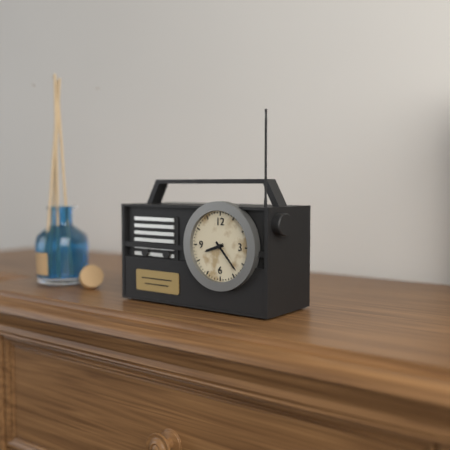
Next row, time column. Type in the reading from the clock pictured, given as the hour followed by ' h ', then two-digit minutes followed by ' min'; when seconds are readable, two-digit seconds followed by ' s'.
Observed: 8 h 23 min
